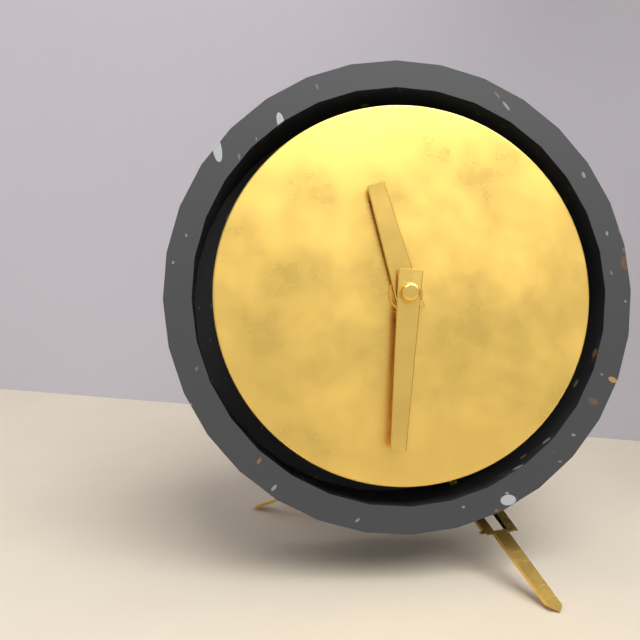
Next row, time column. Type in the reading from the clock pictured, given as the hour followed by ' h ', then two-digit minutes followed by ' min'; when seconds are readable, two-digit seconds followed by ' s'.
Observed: 11 h 31 min
